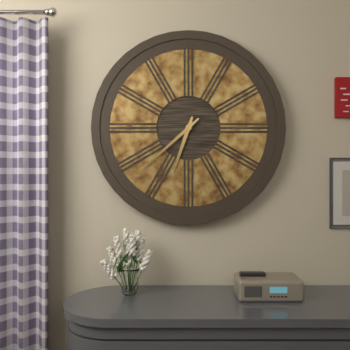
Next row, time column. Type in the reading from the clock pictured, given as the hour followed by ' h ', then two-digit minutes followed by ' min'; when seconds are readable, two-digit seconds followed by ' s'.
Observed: 6 h 38 min
